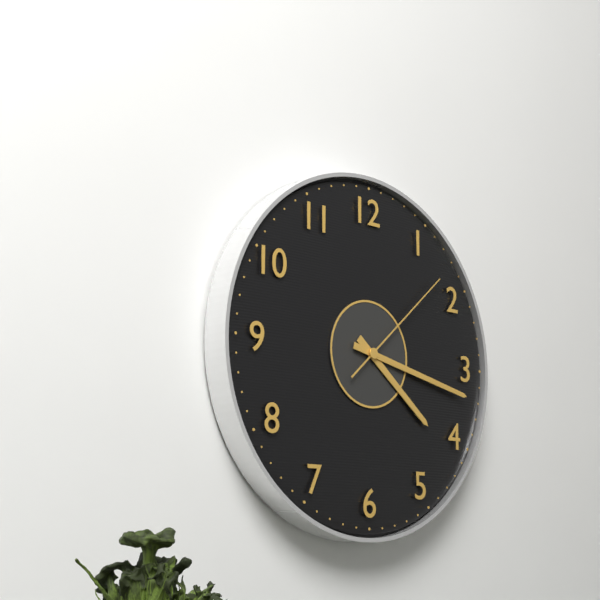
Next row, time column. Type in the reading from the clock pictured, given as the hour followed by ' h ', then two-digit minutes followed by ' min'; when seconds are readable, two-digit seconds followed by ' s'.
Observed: 4 h 17 min 08 s
